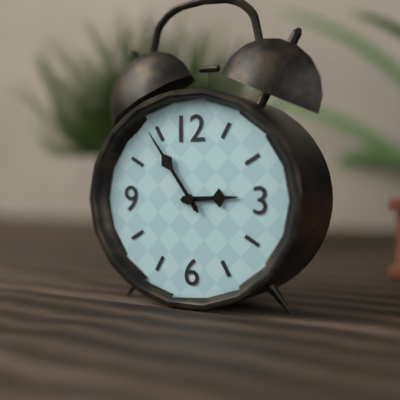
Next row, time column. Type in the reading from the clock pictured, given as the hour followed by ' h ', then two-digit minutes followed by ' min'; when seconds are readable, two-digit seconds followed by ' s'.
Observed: 2 h 54 min
